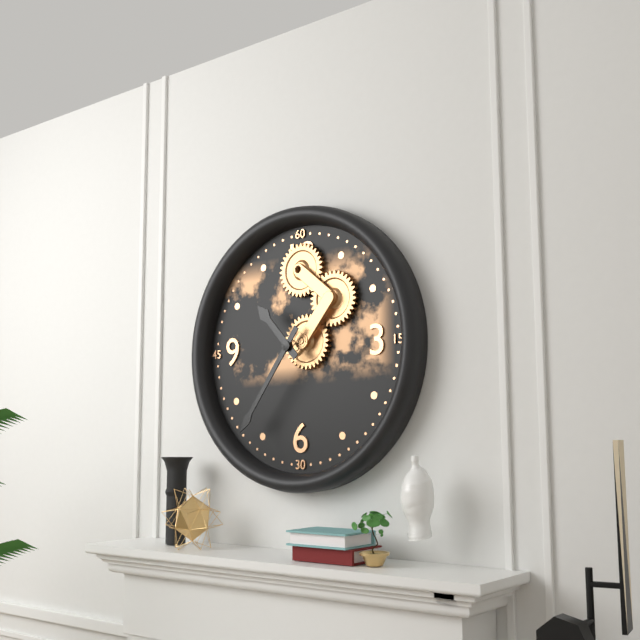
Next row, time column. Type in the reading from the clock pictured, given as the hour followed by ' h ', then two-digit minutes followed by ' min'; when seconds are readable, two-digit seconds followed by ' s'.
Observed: 10 h 36 min
